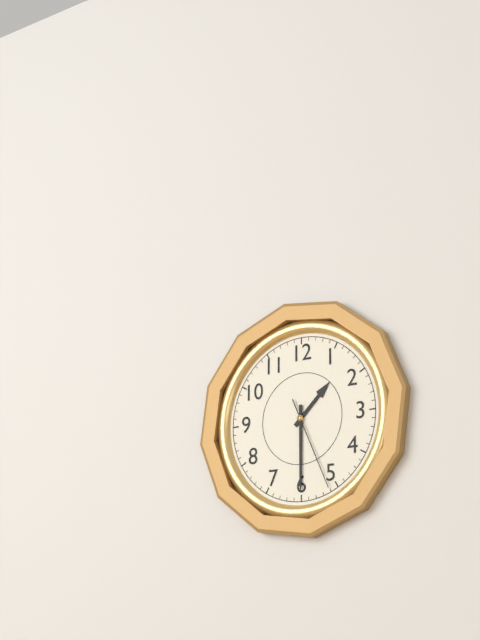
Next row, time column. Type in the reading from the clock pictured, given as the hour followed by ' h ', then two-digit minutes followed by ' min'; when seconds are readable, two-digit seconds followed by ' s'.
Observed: 1 h 30 min 26 s
